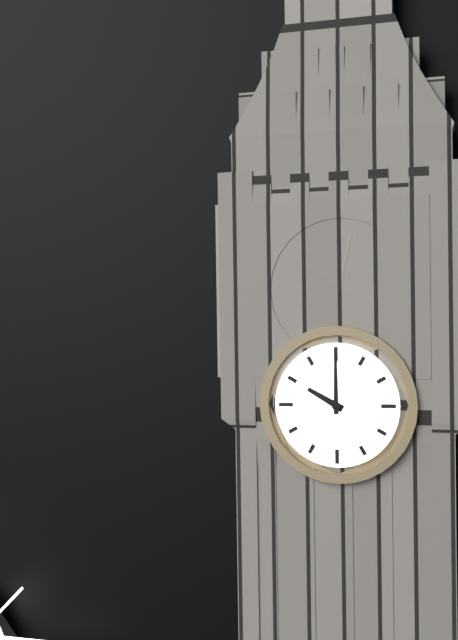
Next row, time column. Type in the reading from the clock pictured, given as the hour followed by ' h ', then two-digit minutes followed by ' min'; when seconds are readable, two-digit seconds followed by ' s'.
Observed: 10 h 00 min
